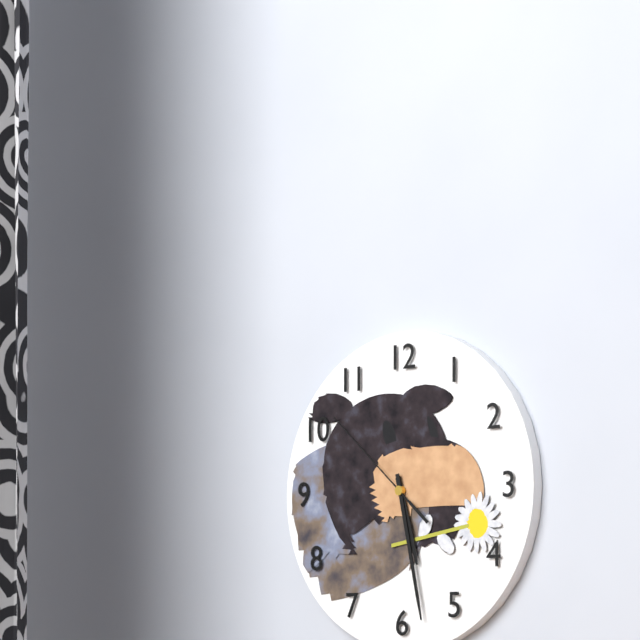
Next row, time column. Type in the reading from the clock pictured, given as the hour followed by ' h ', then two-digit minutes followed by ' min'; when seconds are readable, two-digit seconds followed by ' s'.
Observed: 5 h 28 min 52 s
